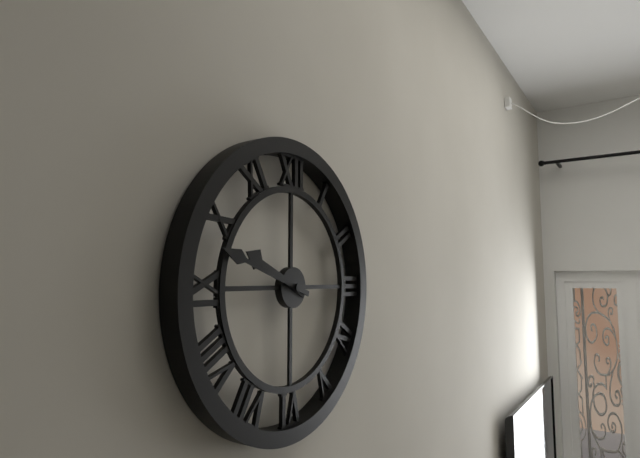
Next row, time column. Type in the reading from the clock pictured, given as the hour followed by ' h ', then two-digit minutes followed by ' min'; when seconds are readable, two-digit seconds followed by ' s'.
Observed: 9 h 48 min
